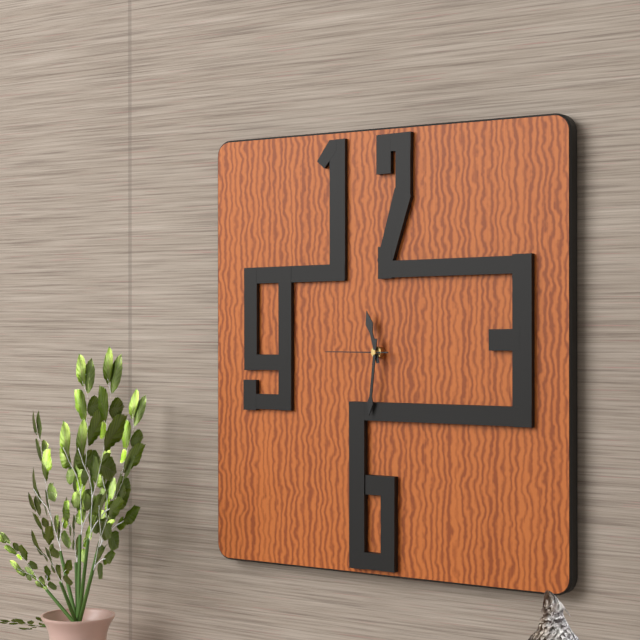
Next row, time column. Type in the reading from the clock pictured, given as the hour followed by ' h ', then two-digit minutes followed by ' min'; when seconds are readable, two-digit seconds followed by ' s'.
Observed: 11 h 31 min 45 s
